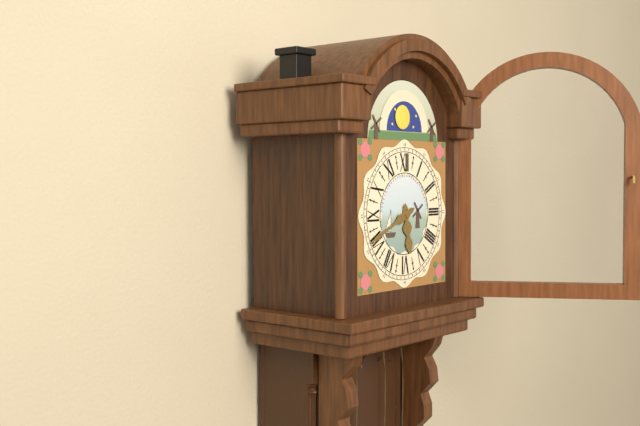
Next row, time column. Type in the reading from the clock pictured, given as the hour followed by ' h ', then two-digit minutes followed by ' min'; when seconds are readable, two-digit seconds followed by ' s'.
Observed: 5 h 41 min
